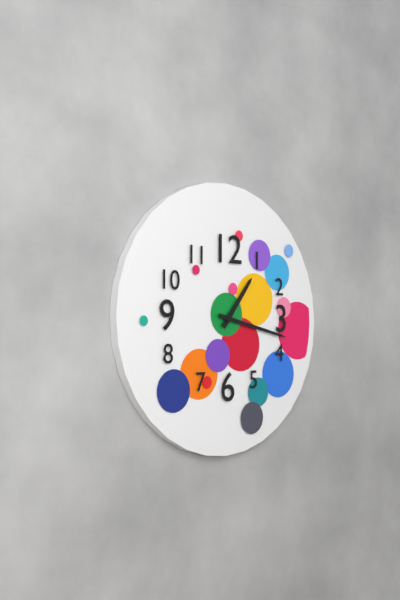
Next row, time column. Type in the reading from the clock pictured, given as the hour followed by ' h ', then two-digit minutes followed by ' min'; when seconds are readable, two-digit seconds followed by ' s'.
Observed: 1 h 17 min
